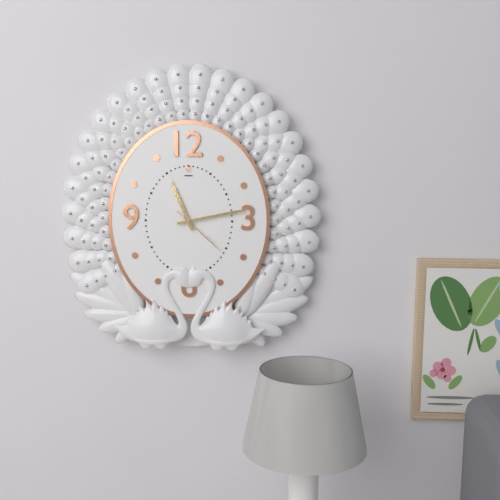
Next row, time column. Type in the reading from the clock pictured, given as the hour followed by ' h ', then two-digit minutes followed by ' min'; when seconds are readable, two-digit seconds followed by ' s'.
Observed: 11 h 13 min 22 s
